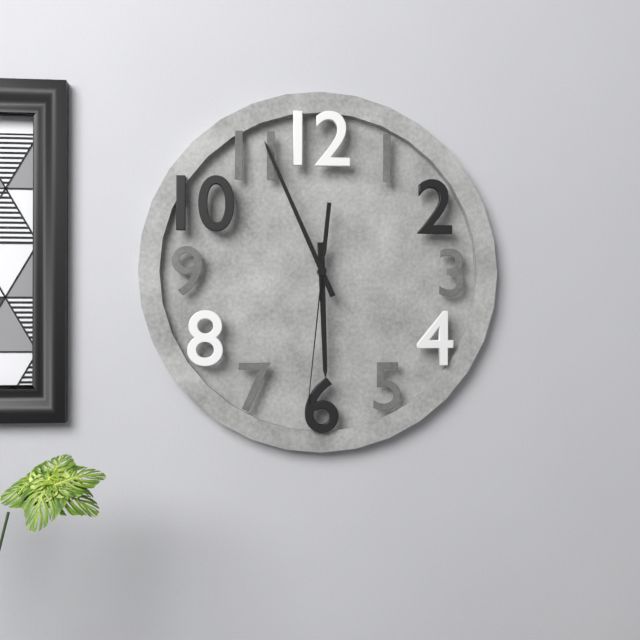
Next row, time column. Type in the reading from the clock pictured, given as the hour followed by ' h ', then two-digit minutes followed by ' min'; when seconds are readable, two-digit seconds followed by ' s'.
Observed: 5 h 56 min 31 s
